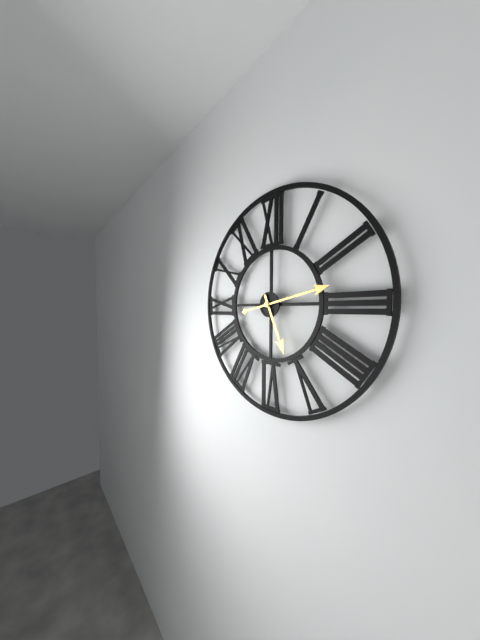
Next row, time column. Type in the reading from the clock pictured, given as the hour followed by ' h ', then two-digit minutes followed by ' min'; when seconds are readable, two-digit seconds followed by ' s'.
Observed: 5 h 13 min
